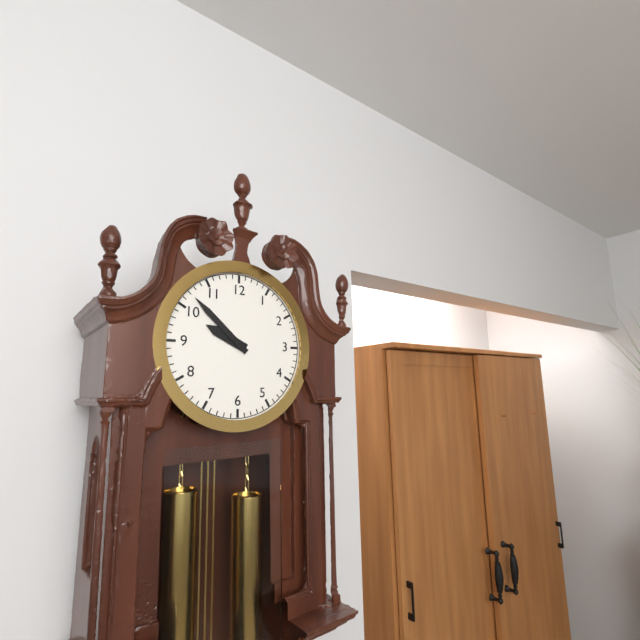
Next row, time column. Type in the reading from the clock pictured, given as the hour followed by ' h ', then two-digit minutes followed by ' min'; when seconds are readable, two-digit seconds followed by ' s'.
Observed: 9 h 52 min
